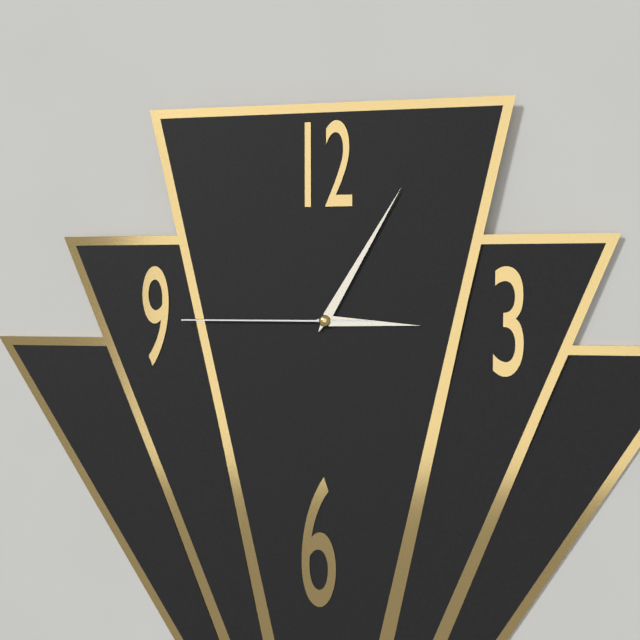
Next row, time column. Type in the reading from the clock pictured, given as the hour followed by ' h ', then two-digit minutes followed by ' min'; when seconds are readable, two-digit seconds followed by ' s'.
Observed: 3 h 05 min 45 s
